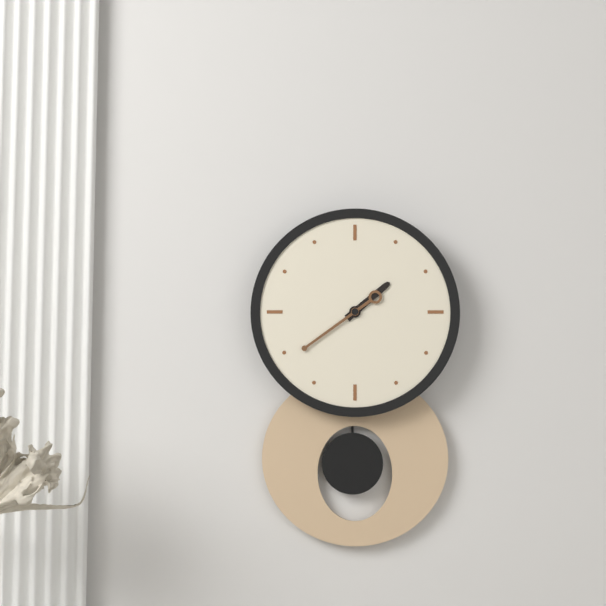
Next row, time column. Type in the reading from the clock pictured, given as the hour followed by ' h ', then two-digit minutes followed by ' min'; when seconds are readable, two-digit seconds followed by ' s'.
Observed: 1 h 39 min
